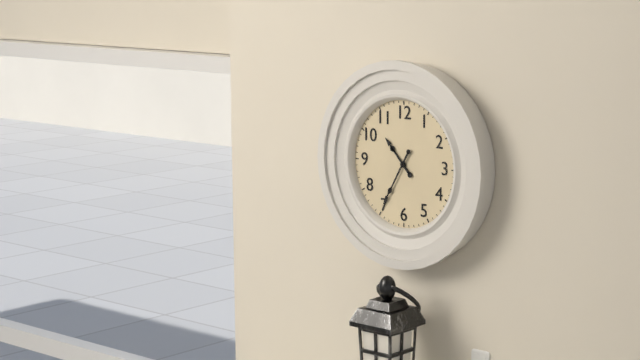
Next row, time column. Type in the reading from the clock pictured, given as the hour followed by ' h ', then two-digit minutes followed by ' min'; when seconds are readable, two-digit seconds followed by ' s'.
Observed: 10 h 35 min
